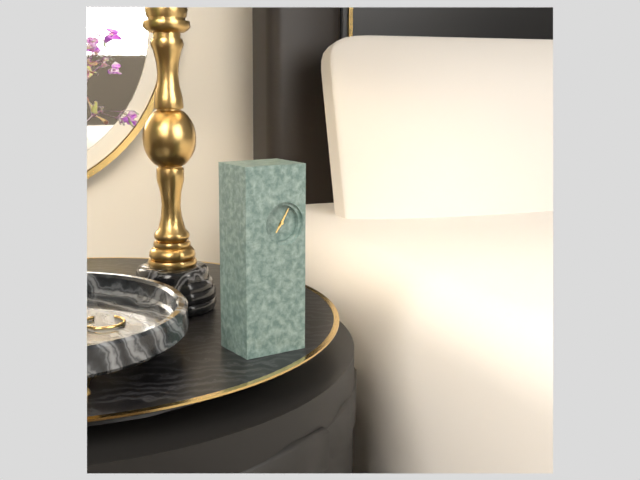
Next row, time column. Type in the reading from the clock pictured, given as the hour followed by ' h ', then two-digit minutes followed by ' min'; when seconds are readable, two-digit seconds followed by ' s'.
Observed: 7 h 05 min
